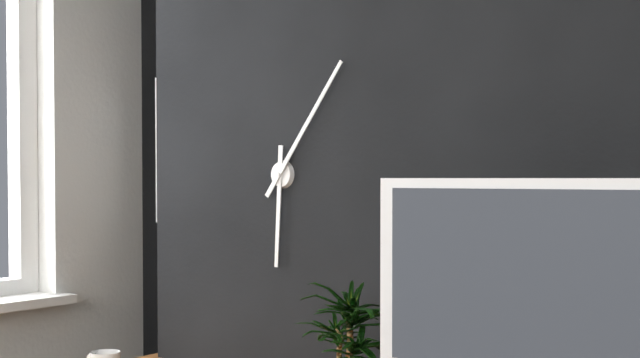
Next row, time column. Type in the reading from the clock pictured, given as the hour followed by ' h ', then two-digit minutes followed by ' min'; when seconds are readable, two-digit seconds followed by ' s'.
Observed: 6 h 06 min
